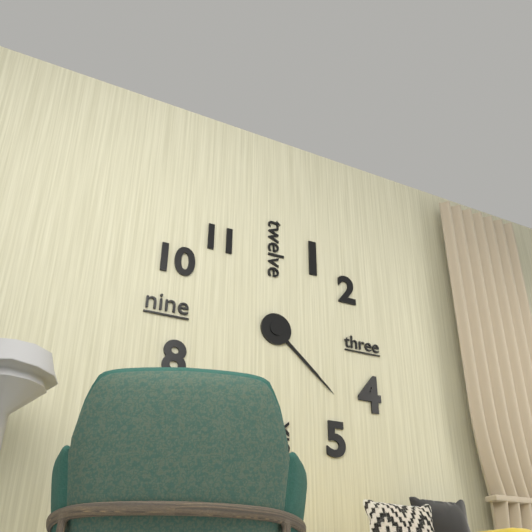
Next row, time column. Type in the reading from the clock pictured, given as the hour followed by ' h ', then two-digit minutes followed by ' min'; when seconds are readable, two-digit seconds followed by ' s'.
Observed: 4 h 22 min
